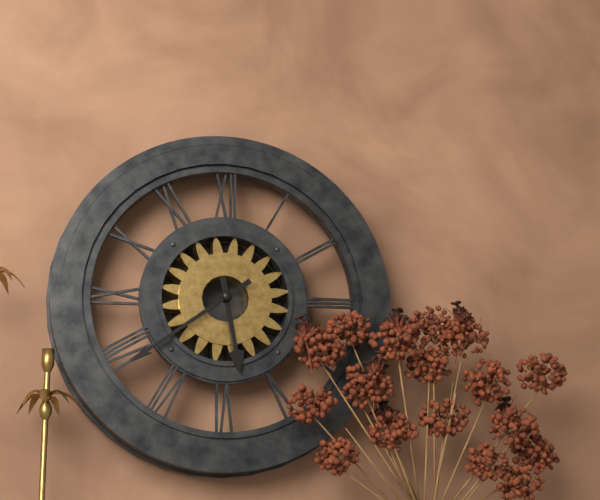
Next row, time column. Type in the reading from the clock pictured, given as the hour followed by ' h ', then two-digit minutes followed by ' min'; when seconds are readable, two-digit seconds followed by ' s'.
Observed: 5 h 39 min
